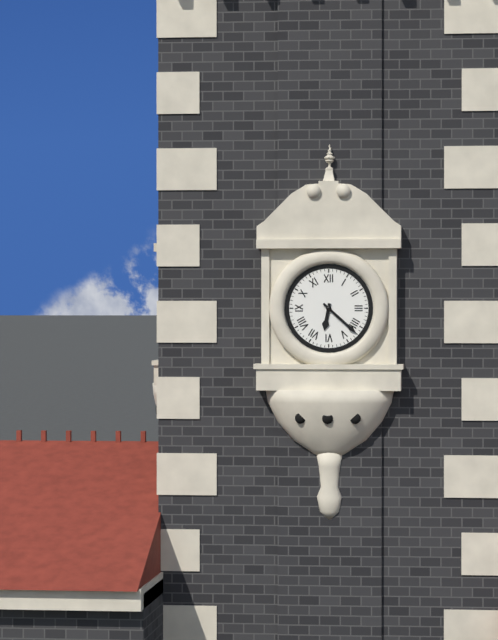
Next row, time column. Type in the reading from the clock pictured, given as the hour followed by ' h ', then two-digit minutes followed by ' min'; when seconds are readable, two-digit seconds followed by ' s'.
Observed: 6 h 22 min
